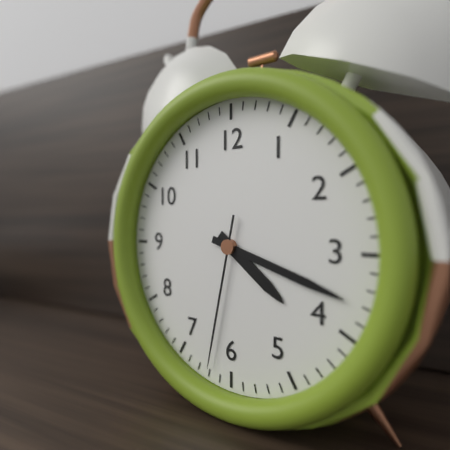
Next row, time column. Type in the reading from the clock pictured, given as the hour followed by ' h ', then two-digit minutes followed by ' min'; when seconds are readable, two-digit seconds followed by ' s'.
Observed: 4 h 18 min 32 s
